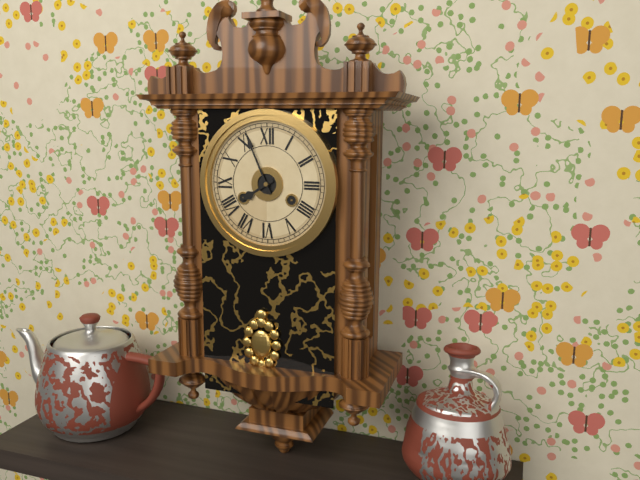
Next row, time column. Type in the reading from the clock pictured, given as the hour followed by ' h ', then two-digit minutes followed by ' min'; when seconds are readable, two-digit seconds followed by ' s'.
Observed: 7 h 56 min
